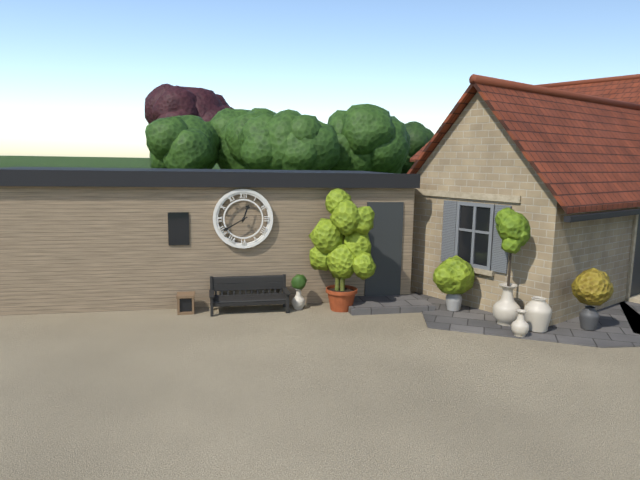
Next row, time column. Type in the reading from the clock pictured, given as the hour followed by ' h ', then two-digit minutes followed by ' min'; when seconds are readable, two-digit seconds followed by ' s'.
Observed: 12 h 40 min
